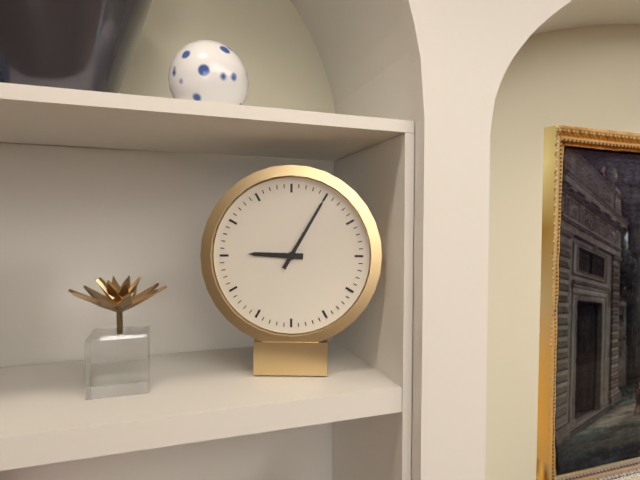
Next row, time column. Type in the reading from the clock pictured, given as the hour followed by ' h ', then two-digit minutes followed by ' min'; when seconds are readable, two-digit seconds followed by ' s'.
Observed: 9 h 05 min
